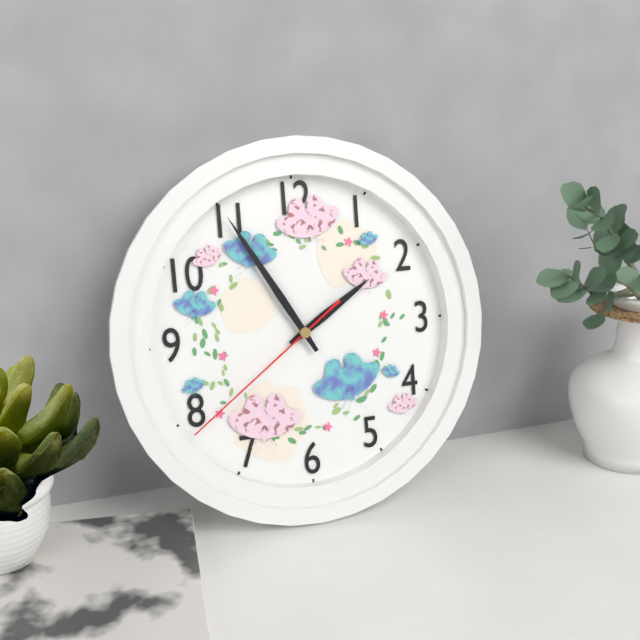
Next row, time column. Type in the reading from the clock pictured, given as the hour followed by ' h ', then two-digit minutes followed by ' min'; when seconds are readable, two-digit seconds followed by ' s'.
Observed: 1 h 55 min 39 s
